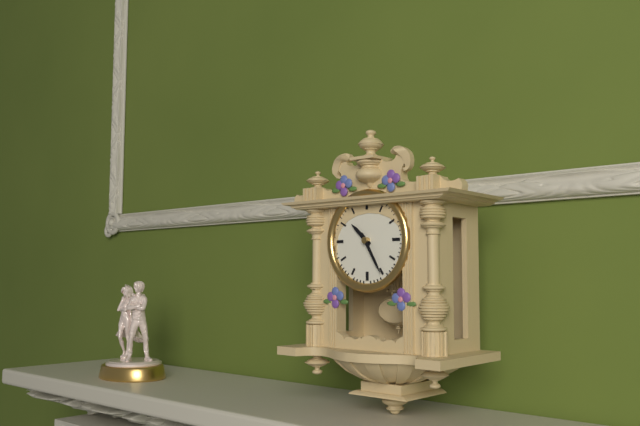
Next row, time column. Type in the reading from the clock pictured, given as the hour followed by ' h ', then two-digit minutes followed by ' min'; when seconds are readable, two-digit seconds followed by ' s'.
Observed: 10 h 25 min
